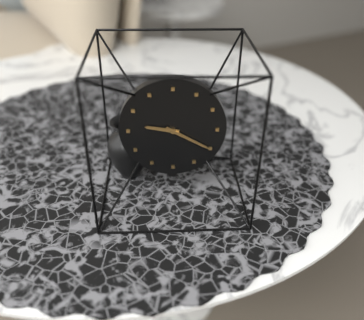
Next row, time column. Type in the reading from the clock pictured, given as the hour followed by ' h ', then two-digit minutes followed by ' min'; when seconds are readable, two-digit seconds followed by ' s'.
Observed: 9 h 20 min
